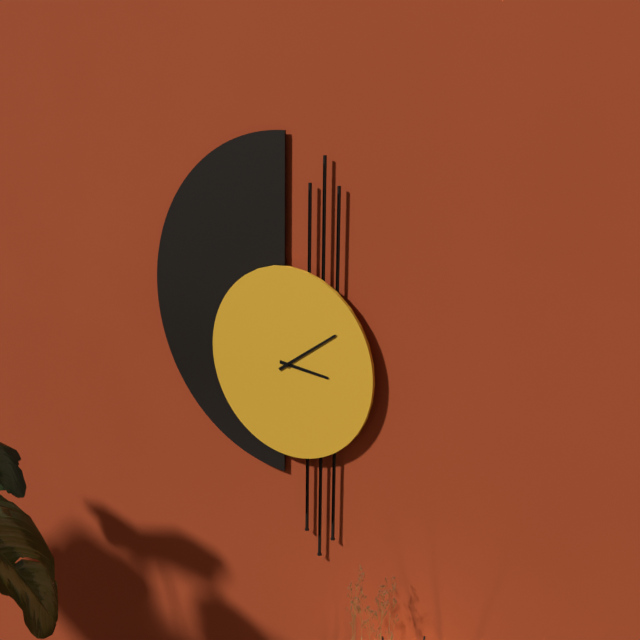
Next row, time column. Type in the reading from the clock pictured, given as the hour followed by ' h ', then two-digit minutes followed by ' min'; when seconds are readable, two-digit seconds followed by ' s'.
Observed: 3 h 09 min
